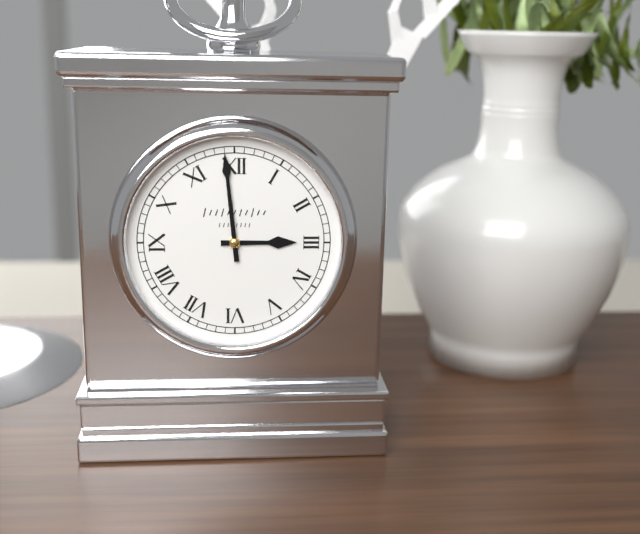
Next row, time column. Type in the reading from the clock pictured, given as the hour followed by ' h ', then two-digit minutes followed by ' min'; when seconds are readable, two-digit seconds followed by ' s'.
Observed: 2 h 59 min
